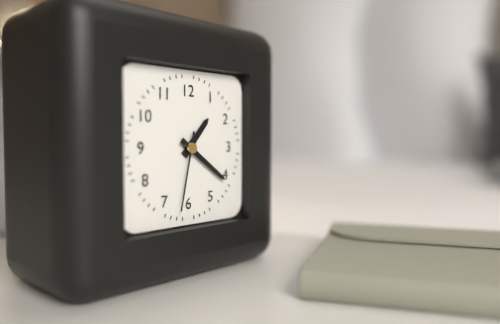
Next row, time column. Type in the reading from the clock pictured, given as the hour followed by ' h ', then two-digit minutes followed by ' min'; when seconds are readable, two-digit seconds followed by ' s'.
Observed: 1 h 21 min 32 s
